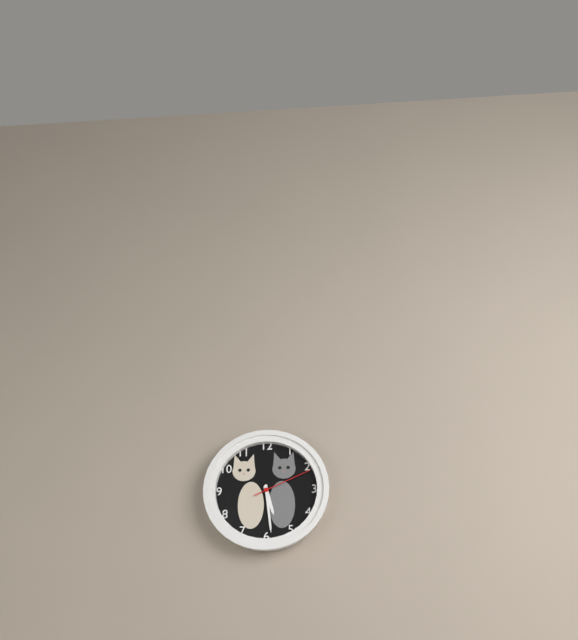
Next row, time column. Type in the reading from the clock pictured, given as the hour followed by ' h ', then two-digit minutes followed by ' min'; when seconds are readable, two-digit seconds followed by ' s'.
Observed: 5 h 29 min 11 s
